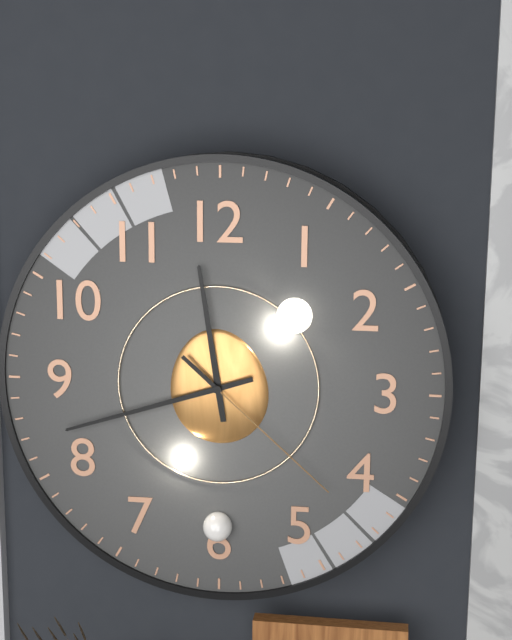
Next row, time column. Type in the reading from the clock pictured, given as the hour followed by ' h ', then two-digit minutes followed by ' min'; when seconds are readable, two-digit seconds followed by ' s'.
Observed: 11 h 42 min 22 s
